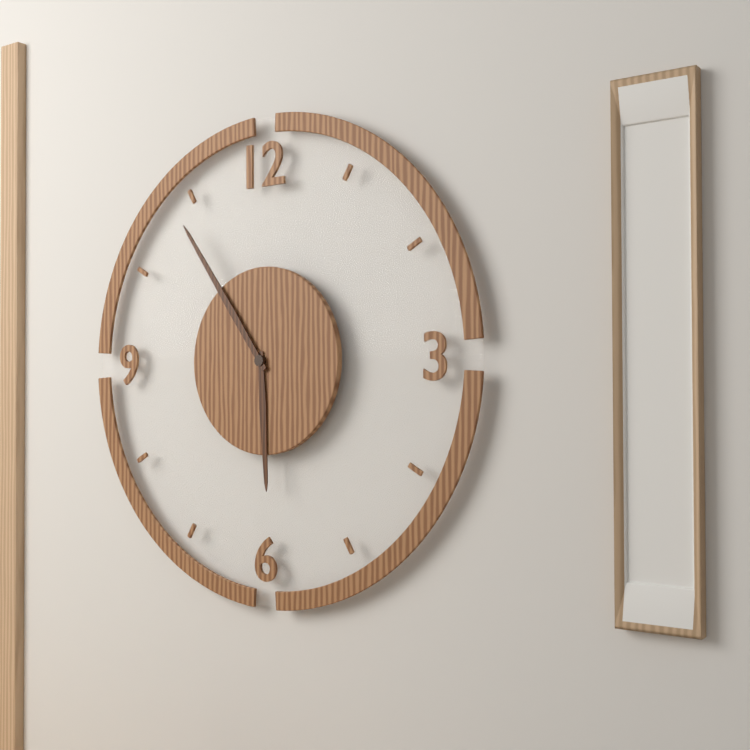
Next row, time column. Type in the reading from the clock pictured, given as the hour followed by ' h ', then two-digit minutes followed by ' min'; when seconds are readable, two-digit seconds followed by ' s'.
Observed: 5 h 54 min
